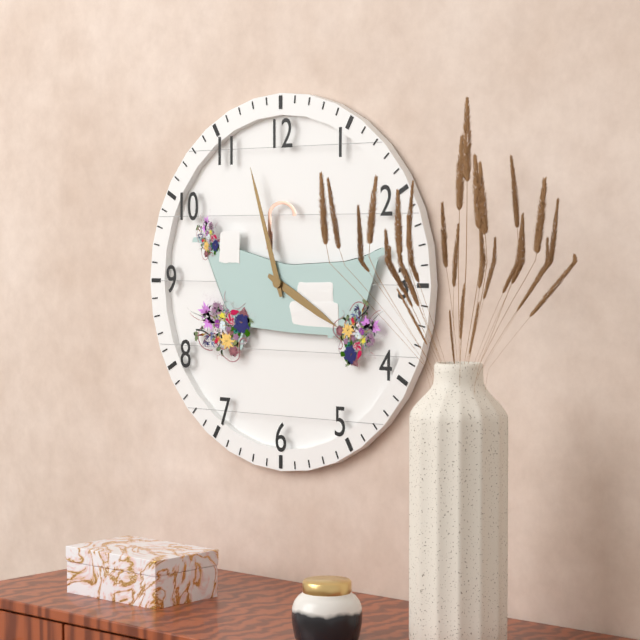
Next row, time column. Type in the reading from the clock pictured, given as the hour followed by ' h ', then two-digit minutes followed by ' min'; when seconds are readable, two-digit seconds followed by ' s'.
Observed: 3 h 57 min
